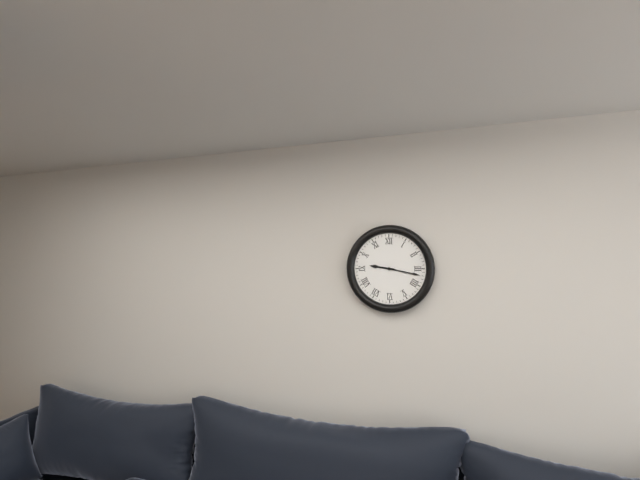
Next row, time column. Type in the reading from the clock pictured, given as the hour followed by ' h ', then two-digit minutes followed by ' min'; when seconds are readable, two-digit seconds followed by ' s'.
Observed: 9 h 17 min
